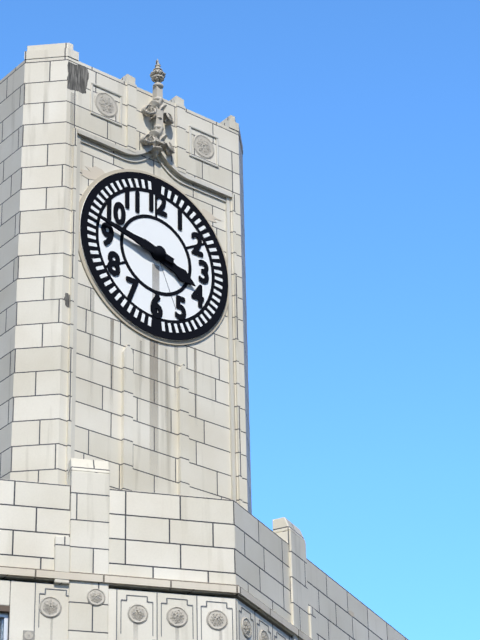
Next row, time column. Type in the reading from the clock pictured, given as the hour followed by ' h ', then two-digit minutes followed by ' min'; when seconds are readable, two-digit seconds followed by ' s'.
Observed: 3 h 47 min
